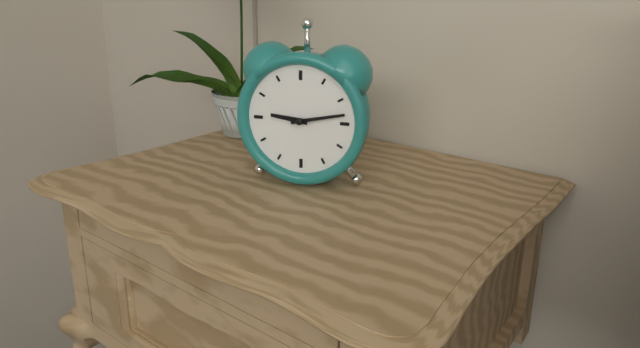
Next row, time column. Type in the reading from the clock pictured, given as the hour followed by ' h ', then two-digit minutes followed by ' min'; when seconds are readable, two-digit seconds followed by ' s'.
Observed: 9 h 13 min
